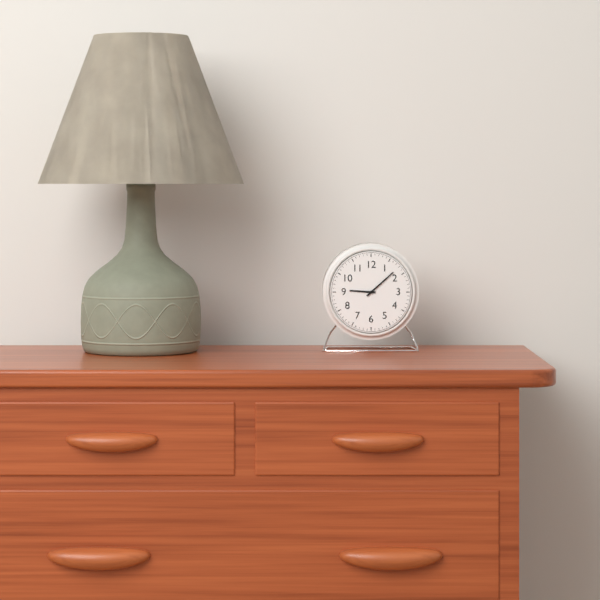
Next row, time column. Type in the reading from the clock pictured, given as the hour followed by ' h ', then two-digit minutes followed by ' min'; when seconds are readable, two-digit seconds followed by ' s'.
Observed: 9 h 08 min
